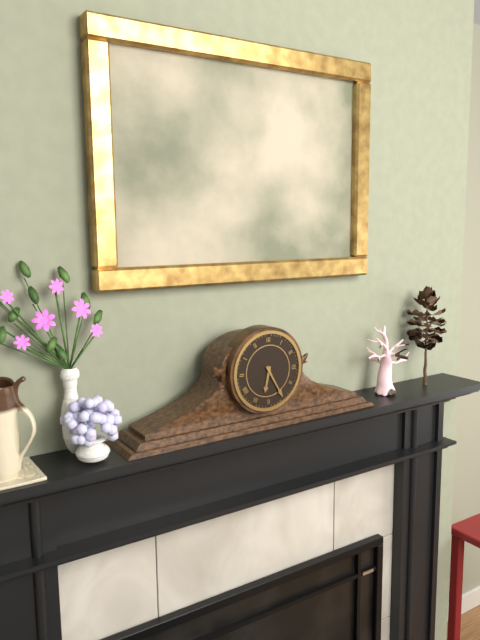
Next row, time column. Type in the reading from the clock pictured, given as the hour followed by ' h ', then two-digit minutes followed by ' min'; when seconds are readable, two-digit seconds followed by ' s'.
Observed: 6 h 25 min
